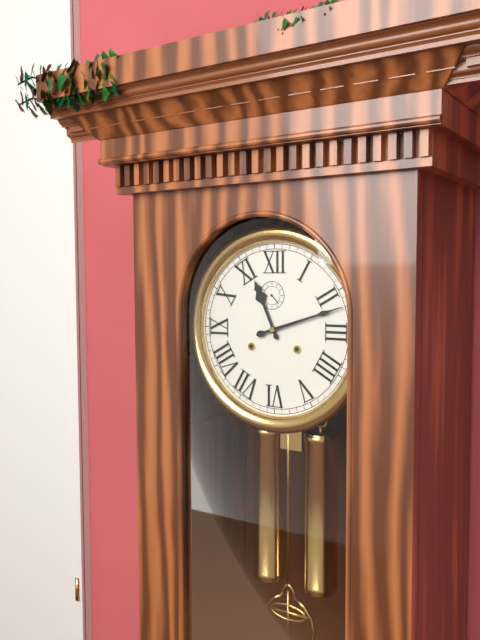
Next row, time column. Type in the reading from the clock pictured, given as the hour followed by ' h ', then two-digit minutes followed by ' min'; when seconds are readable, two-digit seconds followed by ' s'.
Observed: 11 h 12 min
